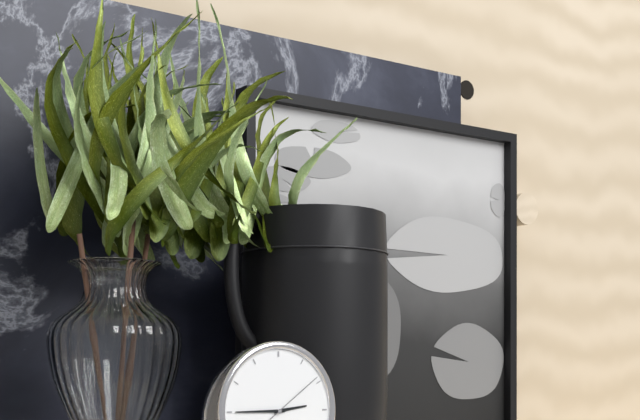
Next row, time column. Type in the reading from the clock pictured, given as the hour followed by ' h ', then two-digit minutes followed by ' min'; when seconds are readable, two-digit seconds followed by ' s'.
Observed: 2 h 45 min 09 s
